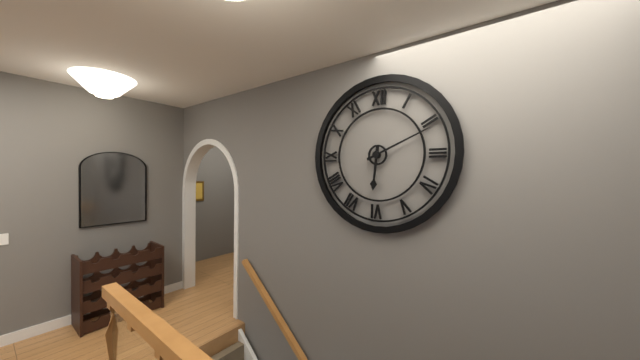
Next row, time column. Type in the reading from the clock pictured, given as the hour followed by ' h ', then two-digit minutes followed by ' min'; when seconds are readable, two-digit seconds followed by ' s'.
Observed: 6 h 11 min
